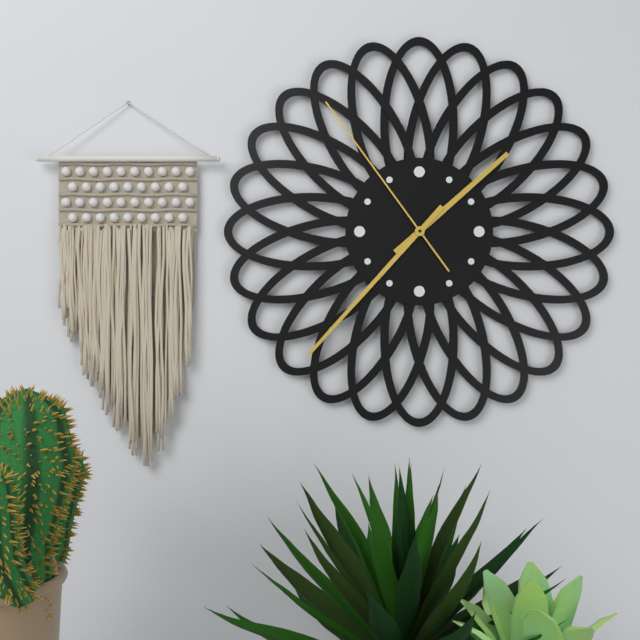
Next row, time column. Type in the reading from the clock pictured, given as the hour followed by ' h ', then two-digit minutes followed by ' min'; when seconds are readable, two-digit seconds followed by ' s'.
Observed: 1 h 37 min 54 s
